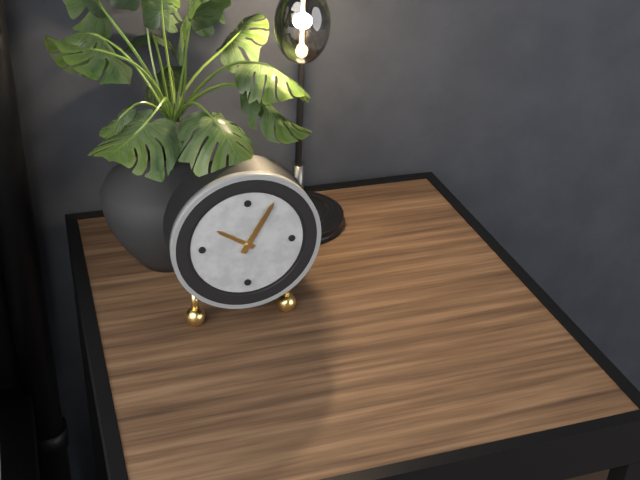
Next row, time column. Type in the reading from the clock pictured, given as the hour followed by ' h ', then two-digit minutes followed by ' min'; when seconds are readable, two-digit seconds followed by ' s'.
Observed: 10 h 05 min
